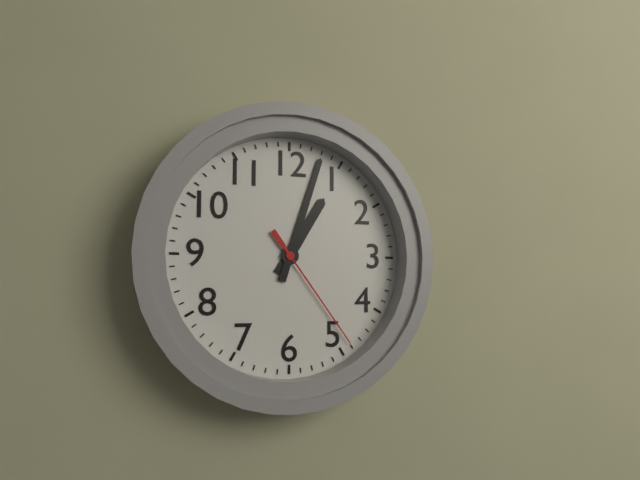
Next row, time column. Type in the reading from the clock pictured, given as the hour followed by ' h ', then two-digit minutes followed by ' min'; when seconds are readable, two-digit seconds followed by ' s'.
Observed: 1 h 03 min 24 s
